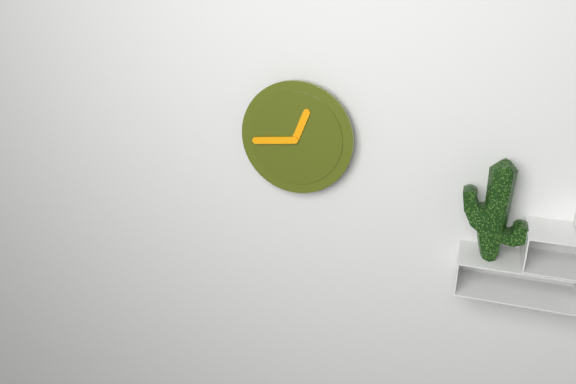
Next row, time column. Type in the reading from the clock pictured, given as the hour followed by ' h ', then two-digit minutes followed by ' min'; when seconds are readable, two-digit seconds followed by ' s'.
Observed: 12 h 44 min
